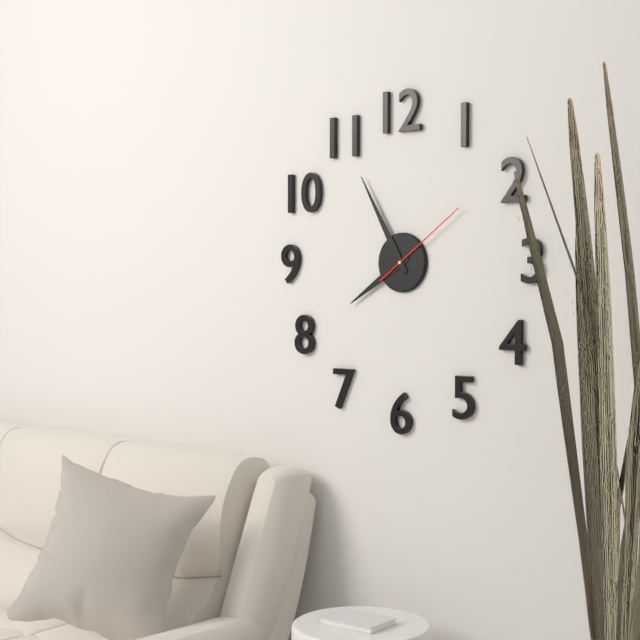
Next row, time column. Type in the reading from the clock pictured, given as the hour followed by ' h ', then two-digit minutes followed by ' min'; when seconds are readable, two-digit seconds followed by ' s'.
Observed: 7 h 55 min 09 s
